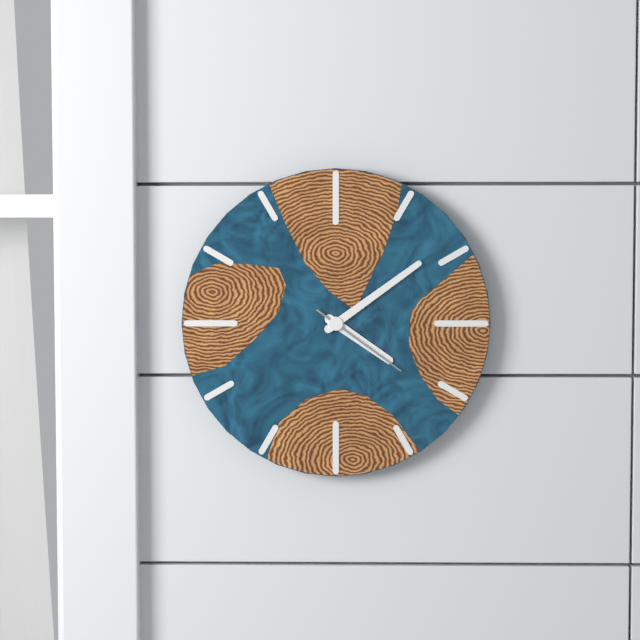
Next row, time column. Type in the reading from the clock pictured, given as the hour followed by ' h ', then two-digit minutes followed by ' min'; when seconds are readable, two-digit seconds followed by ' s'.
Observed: 4 h 09 min 21 s
